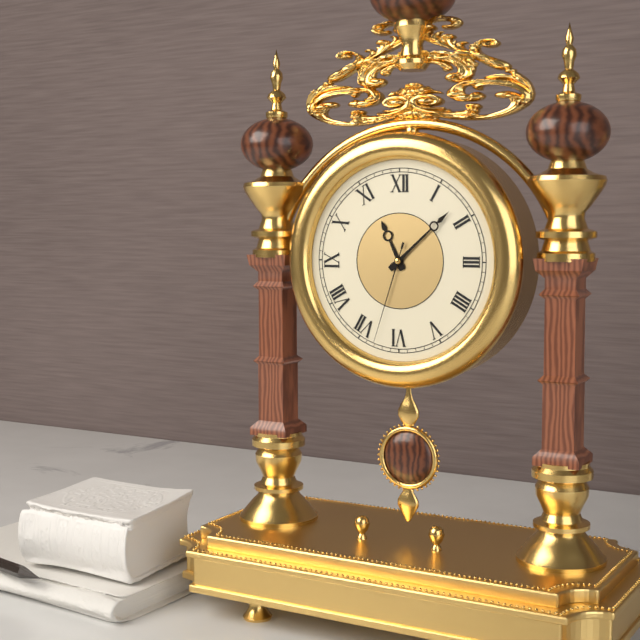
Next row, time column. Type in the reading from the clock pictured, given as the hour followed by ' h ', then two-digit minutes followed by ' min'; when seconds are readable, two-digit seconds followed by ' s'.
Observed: 11 h 08 min 33 s
